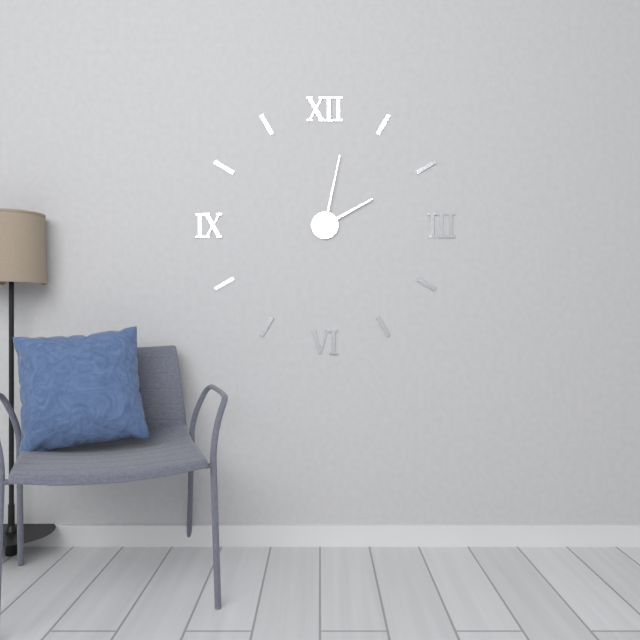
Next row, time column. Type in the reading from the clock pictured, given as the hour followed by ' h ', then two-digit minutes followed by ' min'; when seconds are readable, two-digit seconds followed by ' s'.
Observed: 2 h 02 min
